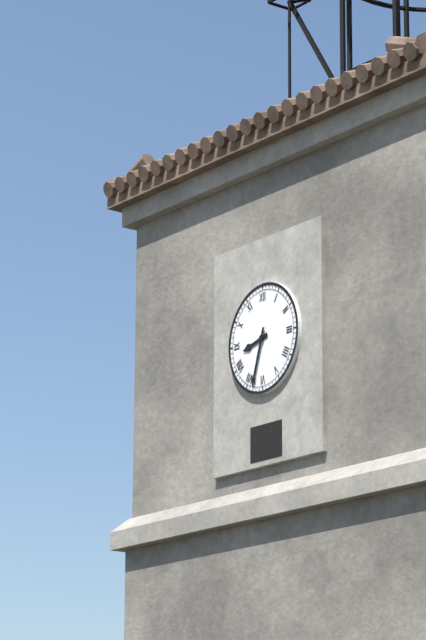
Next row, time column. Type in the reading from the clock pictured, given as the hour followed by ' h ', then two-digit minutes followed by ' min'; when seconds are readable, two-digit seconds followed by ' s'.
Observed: 8 h 33 min
